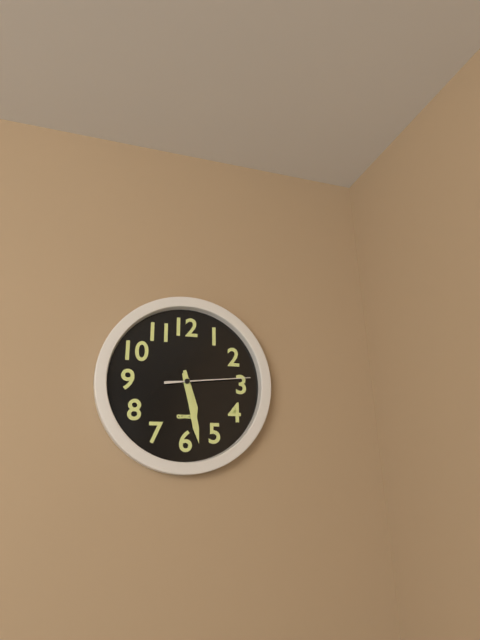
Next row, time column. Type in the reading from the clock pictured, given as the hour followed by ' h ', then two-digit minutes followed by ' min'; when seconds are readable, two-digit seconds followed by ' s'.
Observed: 5 h 28 min 14 s
